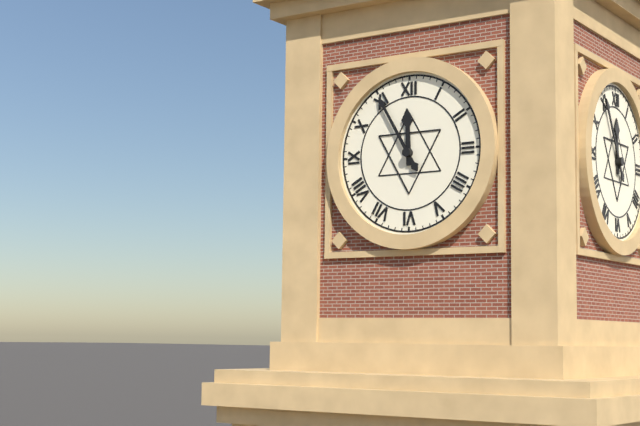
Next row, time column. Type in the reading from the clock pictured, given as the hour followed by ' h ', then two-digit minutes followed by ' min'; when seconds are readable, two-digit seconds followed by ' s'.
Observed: 11 h 55 min
